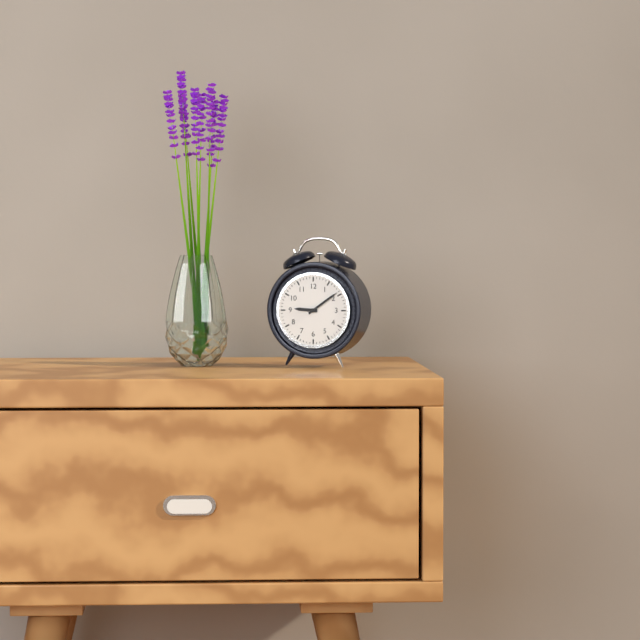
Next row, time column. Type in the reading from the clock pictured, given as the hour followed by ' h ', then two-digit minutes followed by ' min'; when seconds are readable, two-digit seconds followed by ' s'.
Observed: 9 h 09 min
